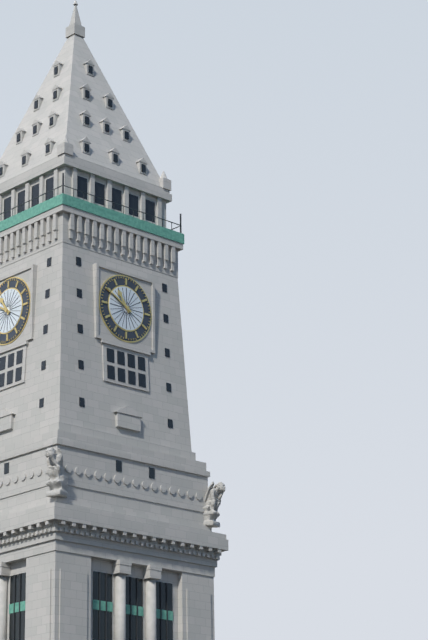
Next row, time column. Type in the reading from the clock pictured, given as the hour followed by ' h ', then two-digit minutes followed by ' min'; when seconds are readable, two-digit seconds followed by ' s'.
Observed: 10 h 50 min
